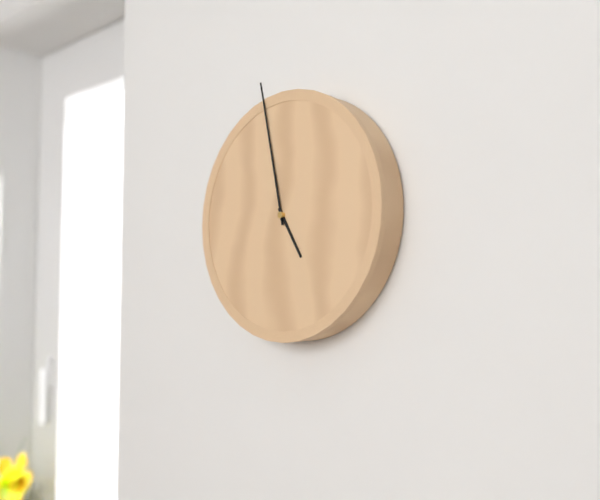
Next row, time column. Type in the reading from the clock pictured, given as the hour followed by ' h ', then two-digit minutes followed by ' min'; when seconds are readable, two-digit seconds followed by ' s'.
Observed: 4 h 58 min
